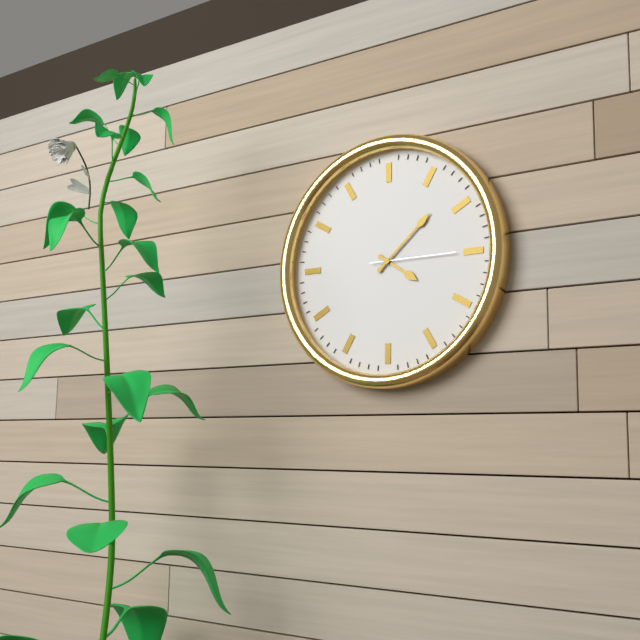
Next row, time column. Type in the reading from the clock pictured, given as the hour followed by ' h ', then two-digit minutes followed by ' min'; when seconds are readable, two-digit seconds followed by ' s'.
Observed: 4 h 08 min 15 s
